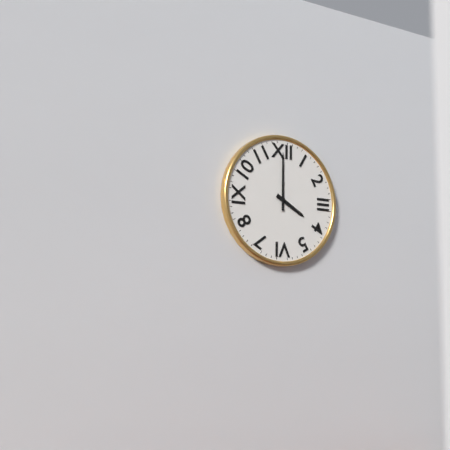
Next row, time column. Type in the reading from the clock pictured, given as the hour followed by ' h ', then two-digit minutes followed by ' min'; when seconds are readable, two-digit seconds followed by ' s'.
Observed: 4 h 00 min
